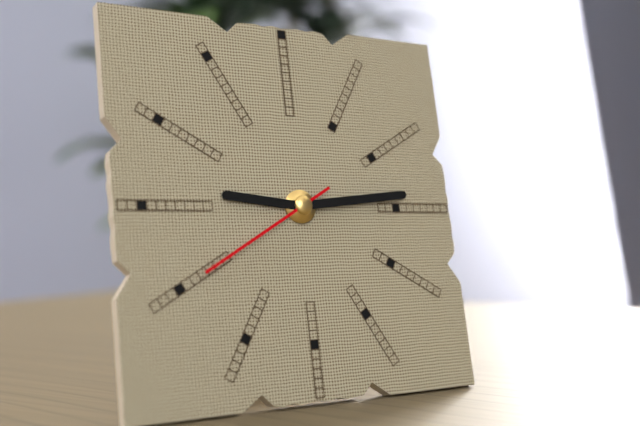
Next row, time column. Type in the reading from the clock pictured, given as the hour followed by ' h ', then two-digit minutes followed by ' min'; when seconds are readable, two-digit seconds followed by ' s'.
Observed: 9 h 14 min 40 s
